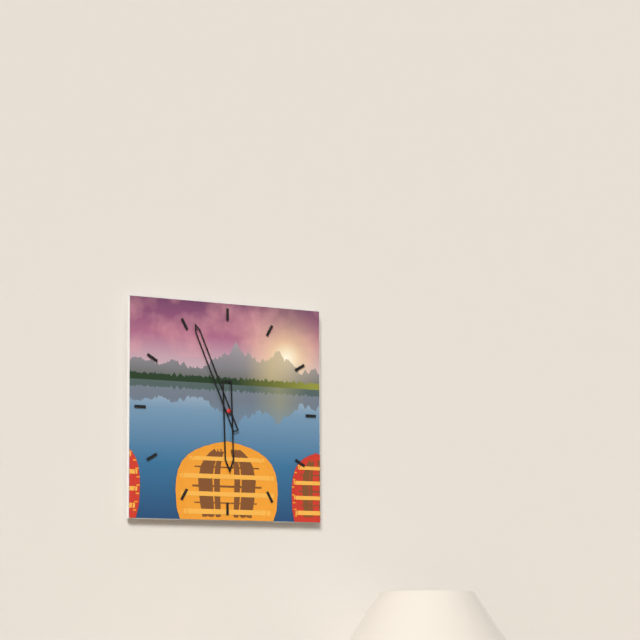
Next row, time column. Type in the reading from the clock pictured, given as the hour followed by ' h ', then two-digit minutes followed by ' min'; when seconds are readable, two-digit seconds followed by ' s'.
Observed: 5 h 56 min
